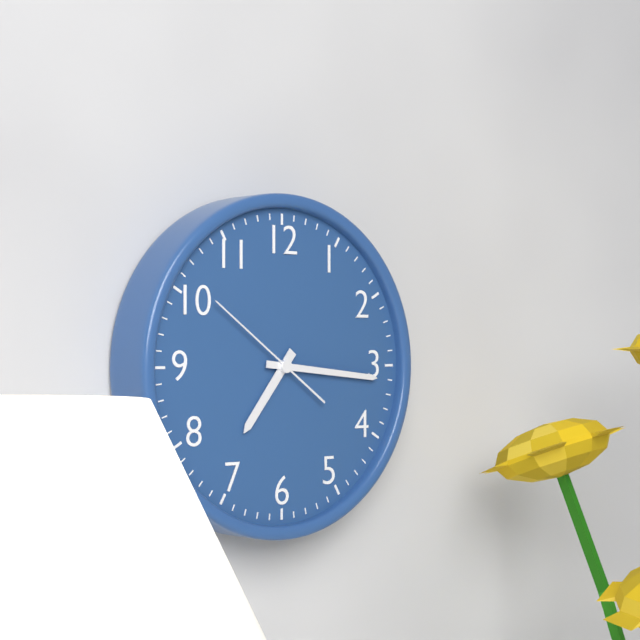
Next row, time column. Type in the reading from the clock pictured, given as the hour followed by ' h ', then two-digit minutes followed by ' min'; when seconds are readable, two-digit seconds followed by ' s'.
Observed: 7 h 16 min 51 s
